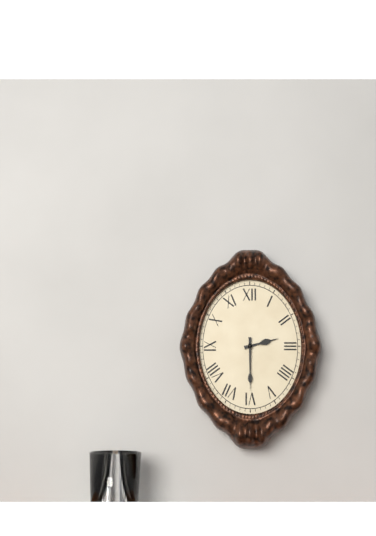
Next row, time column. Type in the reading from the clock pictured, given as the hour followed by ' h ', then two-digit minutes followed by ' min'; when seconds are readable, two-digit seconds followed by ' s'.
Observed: 2 h 30 min
